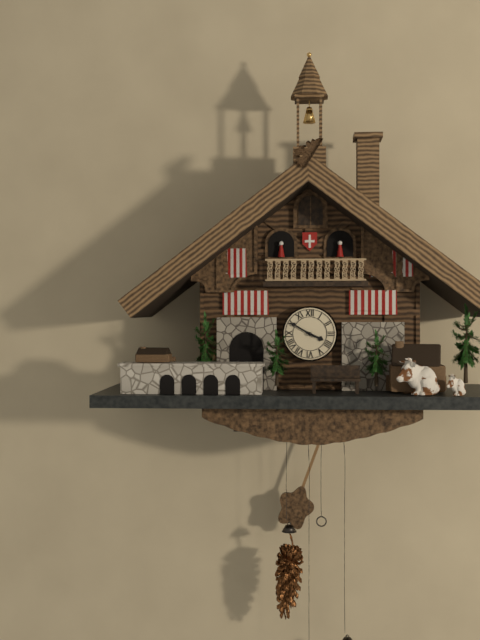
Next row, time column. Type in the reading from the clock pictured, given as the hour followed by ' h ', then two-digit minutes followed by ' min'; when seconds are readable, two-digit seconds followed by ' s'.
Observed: 3 h 50 min
